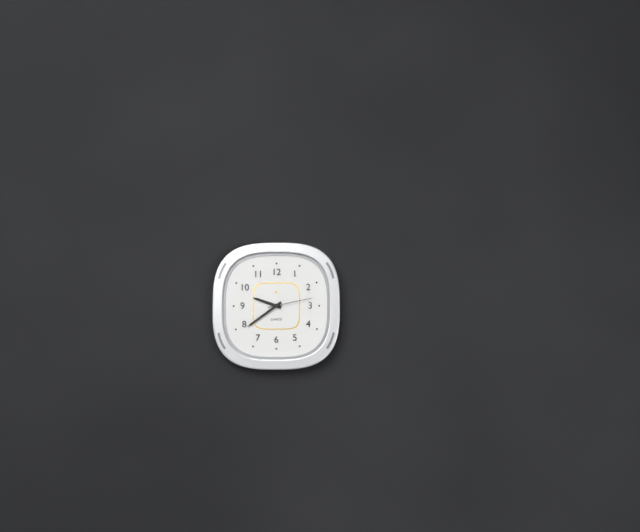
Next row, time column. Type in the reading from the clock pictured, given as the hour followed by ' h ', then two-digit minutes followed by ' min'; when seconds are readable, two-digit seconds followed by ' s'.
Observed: 9 h 39 min
